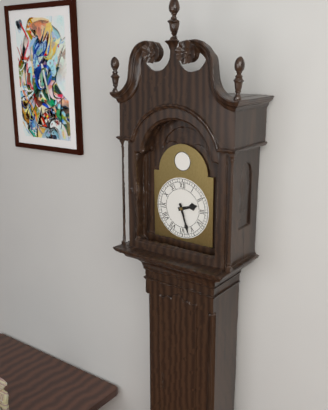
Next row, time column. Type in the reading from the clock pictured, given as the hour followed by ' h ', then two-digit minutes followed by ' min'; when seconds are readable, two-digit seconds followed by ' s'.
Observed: 2 h 27 min
